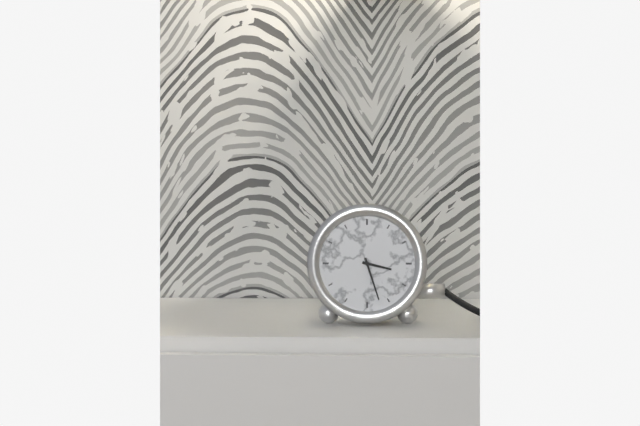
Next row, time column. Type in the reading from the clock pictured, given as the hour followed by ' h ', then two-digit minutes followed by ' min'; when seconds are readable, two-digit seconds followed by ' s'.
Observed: 3 h 27 min
